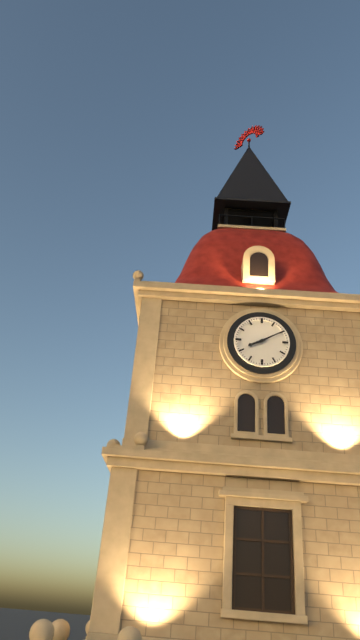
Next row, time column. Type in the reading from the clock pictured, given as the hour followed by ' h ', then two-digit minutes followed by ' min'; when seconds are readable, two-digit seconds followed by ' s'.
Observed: 8 h 10 min
